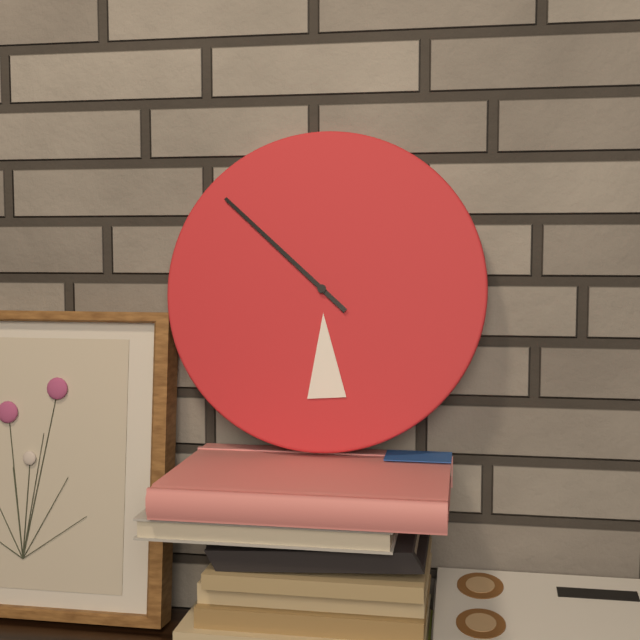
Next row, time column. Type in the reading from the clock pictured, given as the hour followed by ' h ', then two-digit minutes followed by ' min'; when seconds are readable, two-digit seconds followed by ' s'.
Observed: 5 h 52 min
